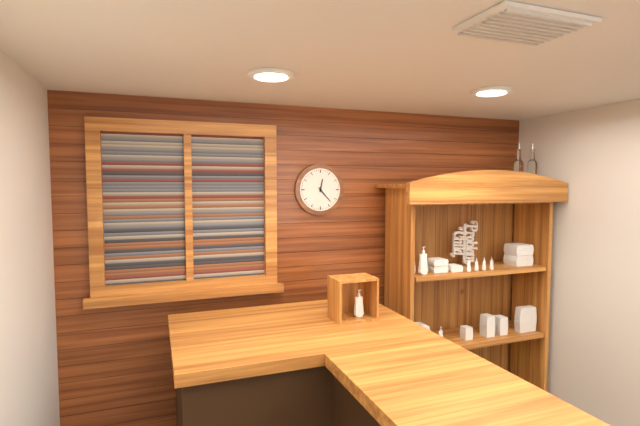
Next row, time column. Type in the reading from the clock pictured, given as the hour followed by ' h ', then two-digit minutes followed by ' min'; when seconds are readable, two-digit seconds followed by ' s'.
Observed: 12 h 23 min
